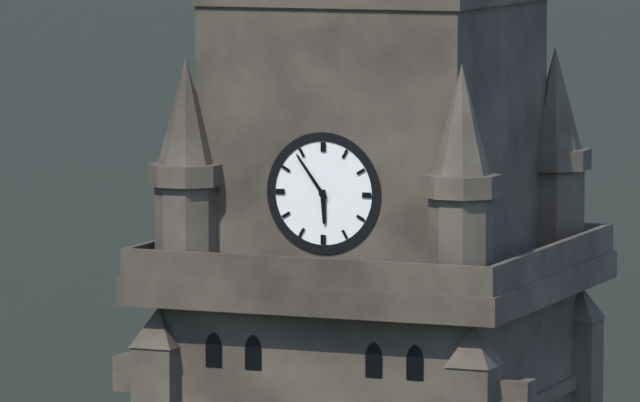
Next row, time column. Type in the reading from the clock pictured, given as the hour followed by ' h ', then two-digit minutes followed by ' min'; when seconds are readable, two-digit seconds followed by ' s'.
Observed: 5 h 54 min
